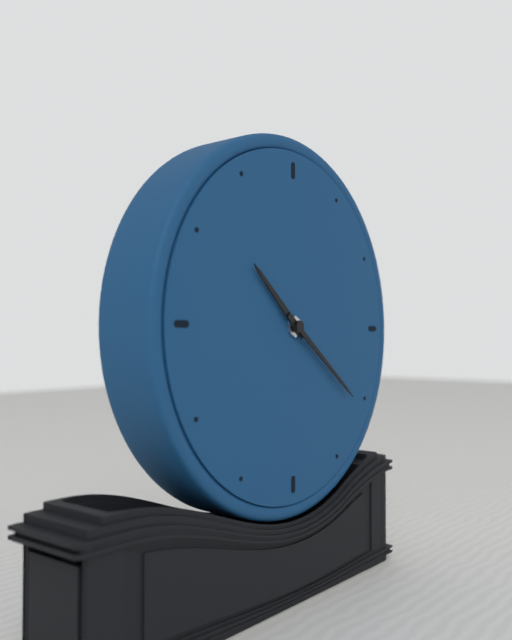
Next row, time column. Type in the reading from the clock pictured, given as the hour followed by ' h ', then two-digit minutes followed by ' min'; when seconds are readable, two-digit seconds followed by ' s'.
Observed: 10 h 21 min
